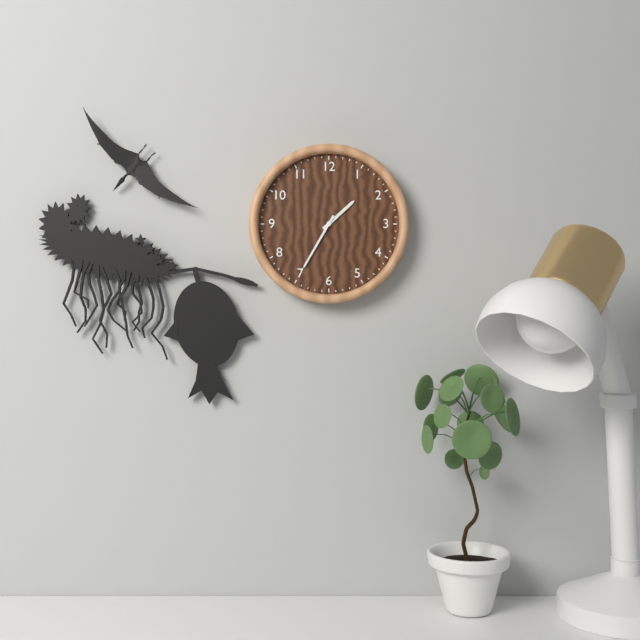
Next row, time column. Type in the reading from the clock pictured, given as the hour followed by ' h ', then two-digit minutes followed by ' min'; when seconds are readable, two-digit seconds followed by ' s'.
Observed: 1 h 35 min
